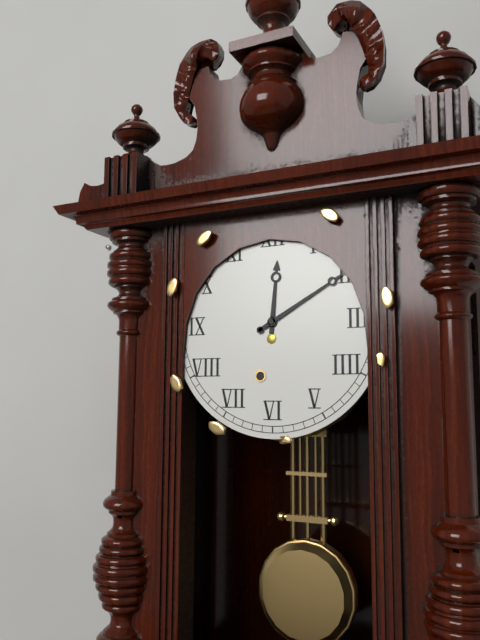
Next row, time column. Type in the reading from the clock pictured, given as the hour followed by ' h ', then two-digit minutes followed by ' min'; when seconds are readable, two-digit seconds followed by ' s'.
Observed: 12 h 10 min
